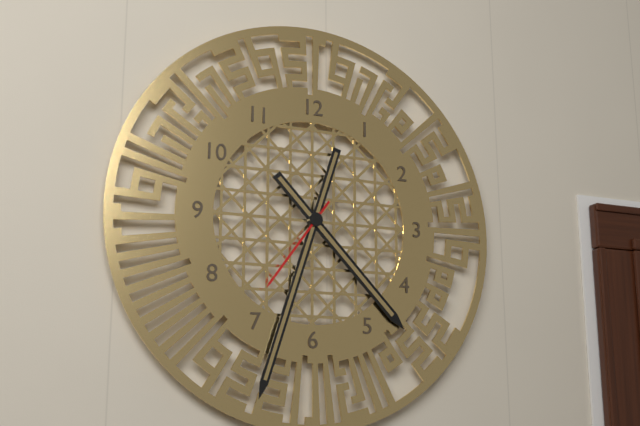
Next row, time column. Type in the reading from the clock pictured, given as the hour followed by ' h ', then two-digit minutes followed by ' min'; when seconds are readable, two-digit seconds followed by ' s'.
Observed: 4 h 33 min 36 s
